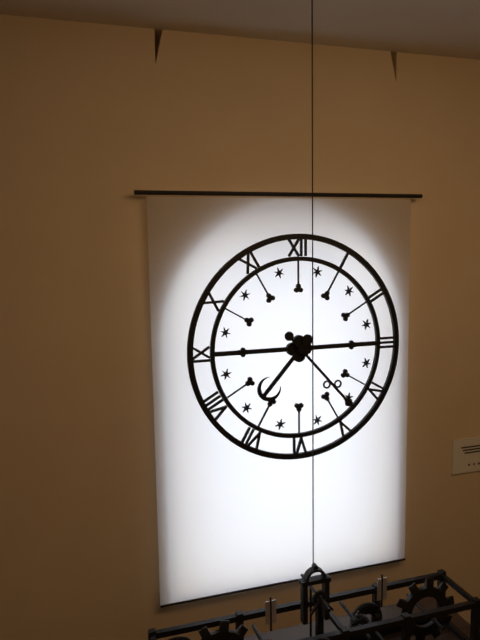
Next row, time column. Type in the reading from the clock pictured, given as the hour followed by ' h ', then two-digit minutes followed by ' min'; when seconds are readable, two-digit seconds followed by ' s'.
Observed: 7 h 23 min
